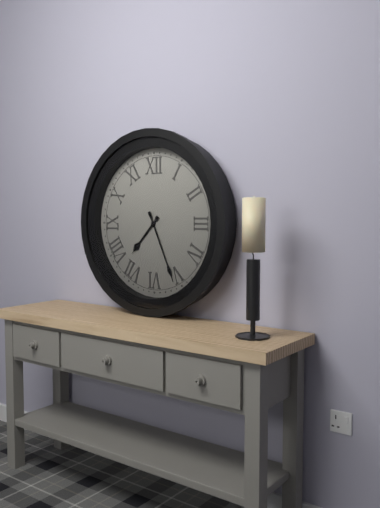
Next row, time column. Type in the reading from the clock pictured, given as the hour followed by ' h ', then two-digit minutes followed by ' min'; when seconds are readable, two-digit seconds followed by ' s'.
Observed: 7 h 26 min
